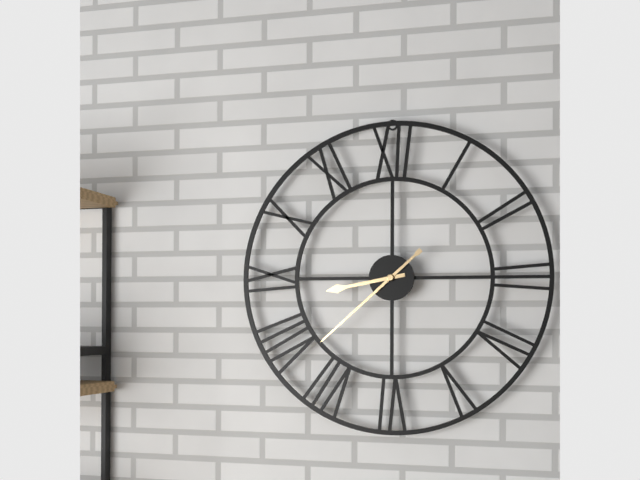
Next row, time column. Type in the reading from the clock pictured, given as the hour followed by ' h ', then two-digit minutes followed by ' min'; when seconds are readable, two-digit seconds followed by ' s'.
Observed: 8 h 38 min
